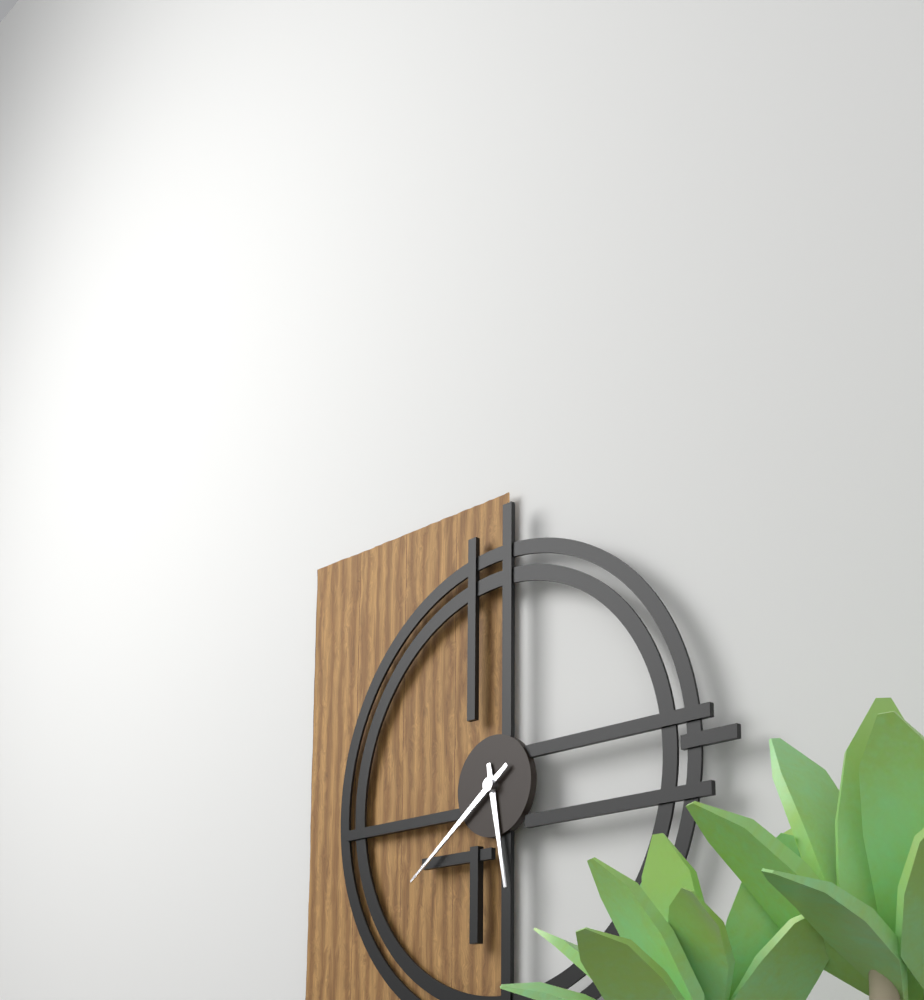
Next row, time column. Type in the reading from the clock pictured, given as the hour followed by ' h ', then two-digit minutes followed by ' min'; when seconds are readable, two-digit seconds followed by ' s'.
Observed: 5 h 39 min
